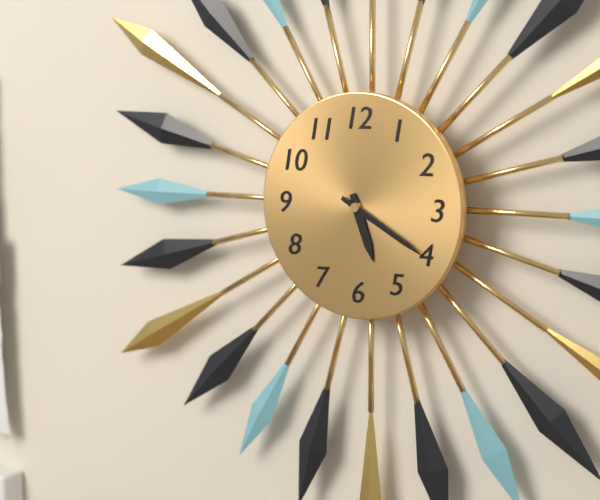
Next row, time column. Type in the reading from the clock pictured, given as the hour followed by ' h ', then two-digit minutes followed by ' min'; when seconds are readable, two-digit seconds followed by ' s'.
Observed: 5 h 20 min
